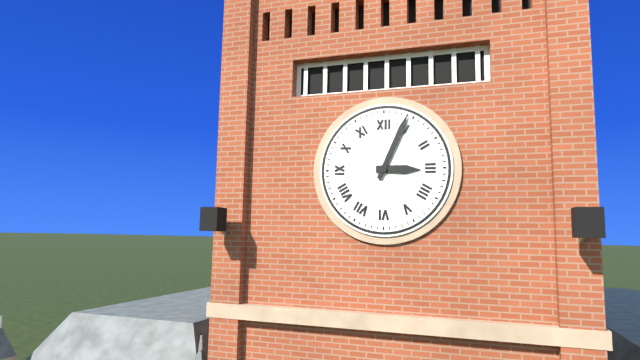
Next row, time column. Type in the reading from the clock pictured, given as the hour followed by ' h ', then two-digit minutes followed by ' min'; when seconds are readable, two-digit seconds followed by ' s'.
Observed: 3 h 04 min
